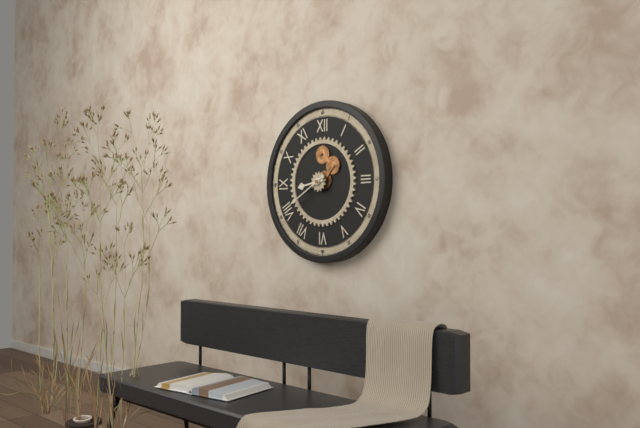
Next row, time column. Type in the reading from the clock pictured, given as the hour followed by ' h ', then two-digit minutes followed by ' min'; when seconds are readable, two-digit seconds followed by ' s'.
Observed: 8 h 40 min
